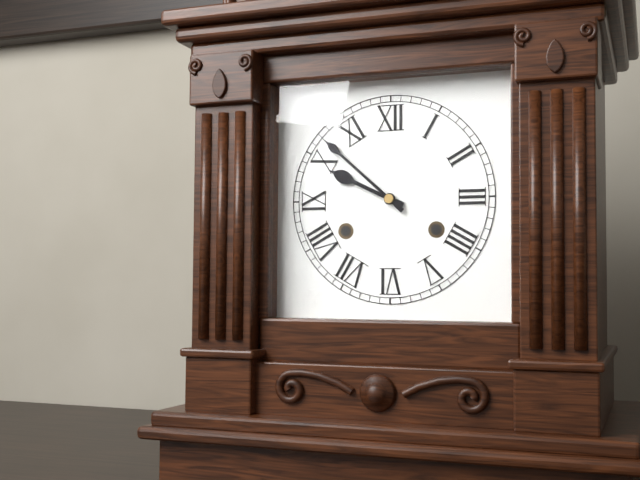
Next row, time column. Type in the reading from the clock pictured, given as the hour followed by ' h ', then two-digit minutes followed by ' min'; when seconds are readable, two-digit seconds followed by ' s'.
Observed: 9 h 52 min
